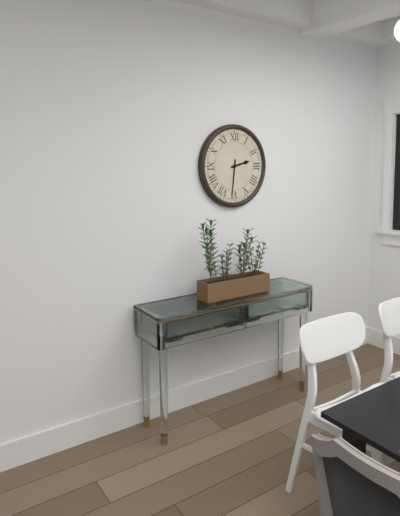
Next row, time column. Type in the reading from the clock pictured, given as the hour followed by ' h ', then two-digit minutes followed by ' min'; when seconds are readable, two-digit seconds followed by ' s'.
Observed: 2 h 31 min
